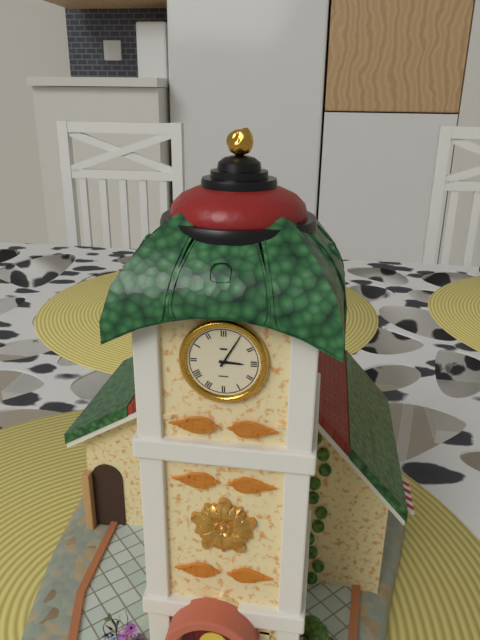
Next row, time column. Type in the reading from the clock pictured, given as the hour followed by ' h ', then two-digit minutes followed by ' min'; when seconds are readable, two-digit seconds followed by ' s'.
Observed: 3 h 05 min
